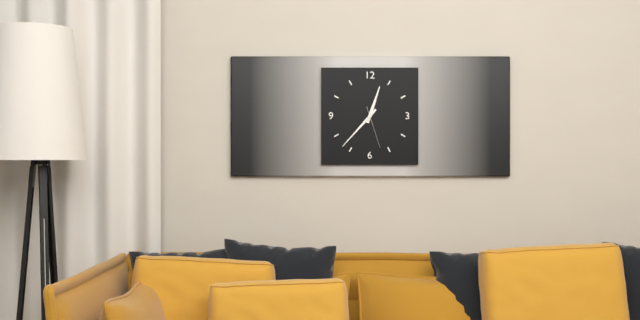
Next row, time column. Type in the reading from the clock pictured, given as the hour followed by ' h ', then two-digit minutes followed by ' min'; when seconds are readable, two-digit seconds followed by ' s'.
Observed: 12 h 37 min
